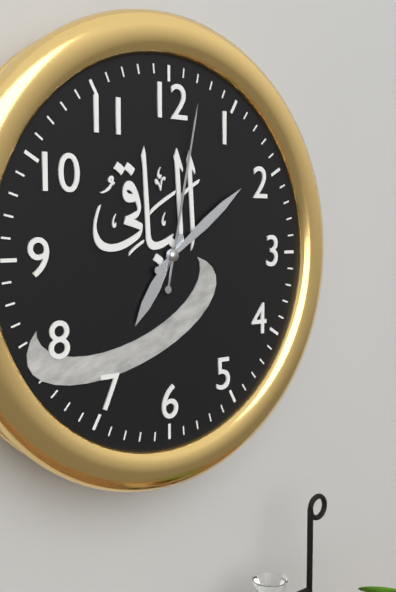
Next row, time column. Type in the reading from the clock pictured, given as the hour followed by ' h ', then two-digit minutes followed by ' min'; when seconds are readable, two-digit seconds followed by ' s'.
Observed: 7 h 09 min 02 s
